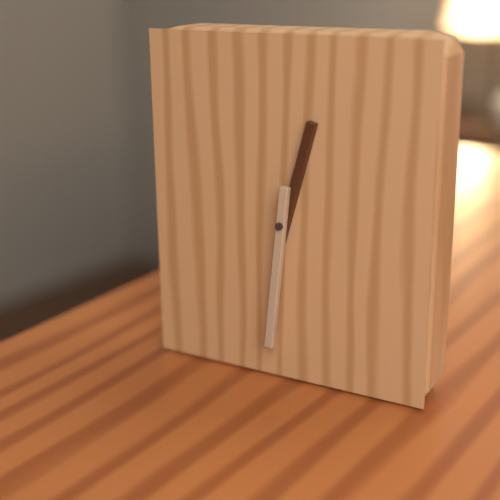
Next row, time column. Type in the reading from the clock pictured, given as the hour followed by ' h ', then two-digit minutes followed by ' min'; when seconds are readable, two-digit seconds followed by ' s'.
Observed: 12 h 31 min
